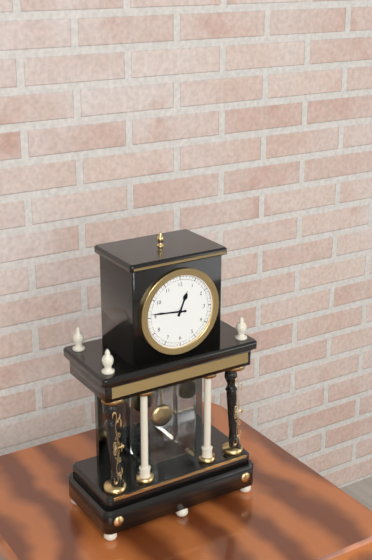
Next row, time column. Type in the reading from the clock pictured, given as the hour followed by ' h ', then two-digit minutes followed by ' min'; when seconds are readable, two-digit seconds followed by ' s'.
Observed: 12 h 46 min
